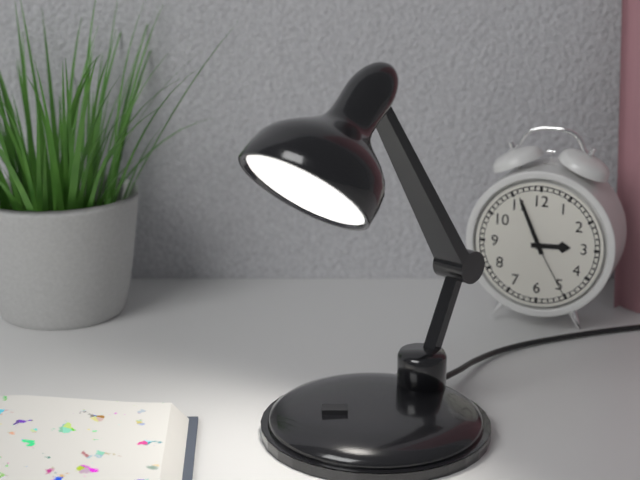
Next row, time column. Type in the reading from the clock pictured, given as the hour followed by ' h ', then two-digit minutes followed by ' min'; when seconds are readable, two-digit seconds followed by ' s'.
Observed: 2 h 56 min 25 s
